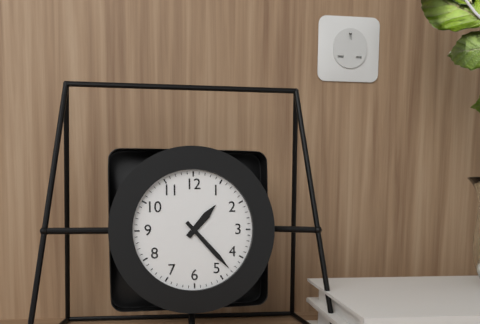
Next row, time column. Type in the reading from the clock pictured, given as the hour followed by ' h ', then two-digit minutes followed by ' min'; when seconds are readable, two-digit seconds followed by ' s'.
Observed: 1 h 23 min
